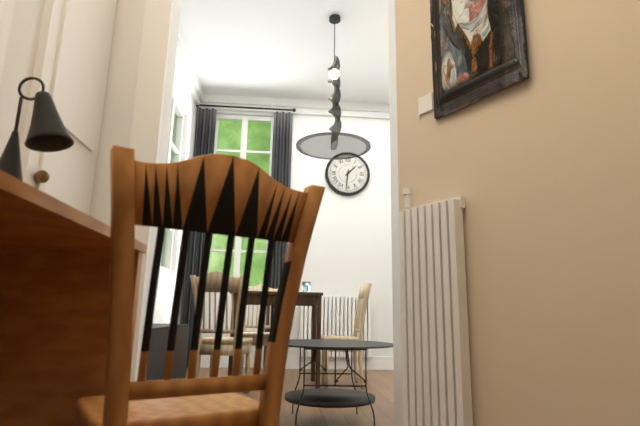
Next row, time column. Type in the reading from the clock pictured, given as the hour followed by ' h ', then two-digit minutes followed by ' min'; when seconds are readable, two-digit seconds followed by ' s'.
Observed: 1 h 31 min
